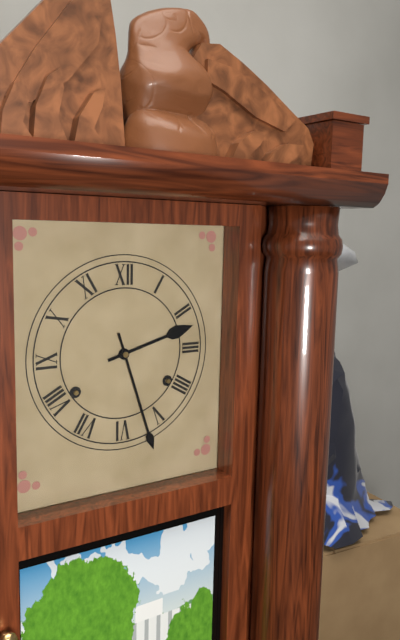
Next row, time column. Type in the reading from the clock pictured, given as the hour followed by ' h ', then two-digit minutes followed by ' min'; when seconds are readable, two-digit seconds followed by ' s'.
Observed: 2 h 27 min
